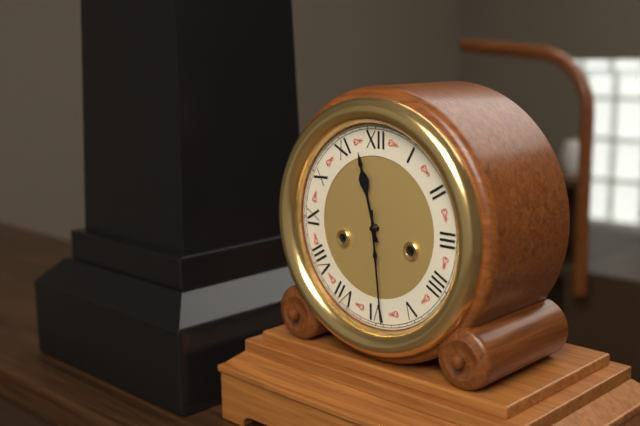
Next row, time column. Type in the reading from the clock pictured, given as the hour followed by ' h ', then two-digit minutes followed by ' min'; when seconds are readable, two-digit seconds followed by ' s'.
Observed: 11 h 29 min
